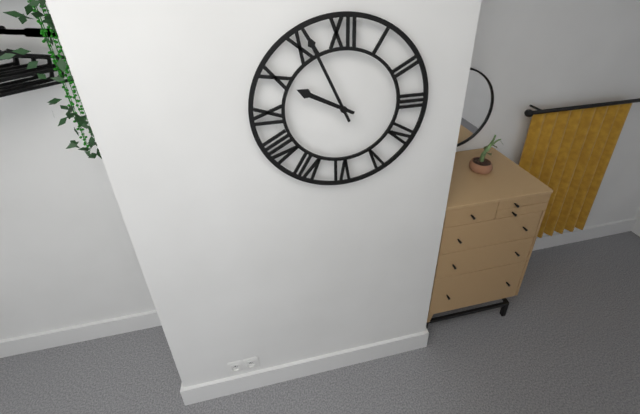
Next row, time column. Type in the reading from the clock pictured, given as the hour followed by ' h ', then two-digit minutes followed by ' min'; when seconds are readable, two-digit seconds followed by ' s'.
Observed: 9 h 56 min
